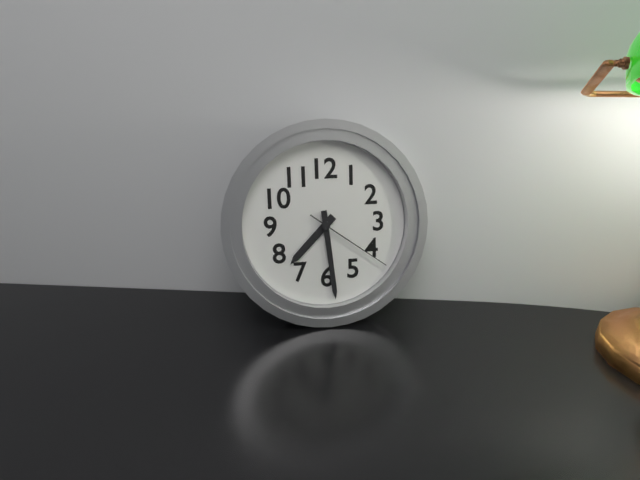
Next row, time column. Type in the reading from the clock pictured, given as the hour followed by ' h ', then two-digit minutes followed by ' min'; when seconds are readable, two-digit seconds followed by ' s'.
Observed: 7 h 29 min 21 s
